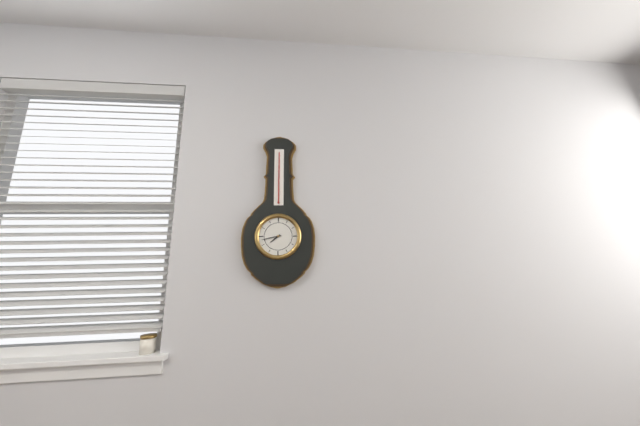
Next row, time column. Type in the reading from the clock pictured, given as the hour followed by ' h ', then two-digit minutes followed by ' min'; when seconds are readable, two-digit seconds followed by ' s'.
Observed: 7 h 43 min
